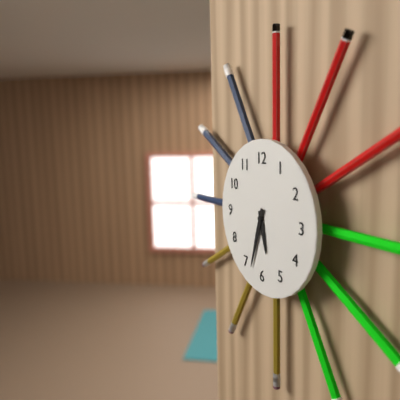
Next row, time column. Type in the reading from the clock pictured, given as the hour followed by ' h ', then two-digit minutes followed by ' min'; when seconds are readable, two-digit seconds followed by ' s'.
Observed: 5 h 33 min
